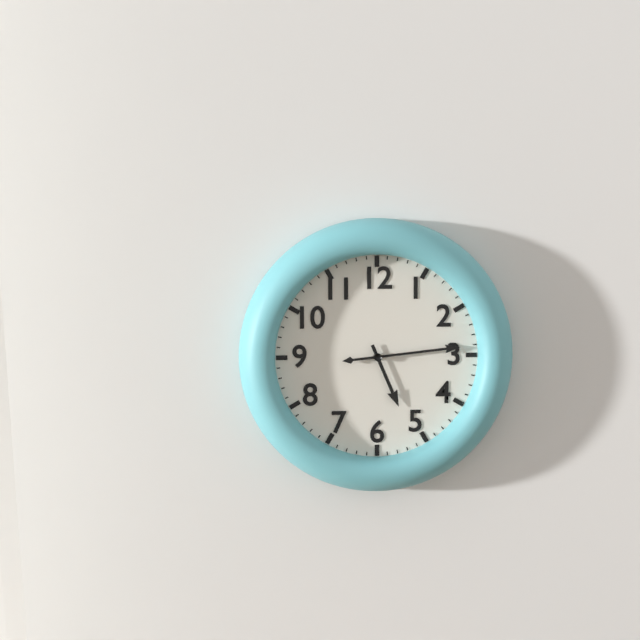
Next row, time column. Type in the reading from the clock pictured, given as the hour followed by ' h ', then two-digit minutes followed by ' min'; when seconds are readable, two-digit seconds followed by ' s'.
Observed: 5 h 14 min
